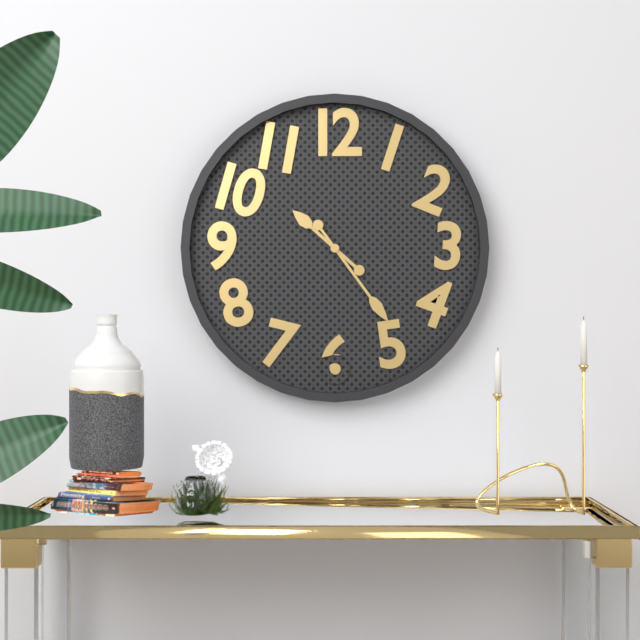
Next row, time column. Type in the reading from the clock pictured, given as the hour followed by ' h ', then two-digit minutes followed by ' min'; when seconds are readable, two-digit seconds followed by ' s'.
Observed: 10 h 24 min
